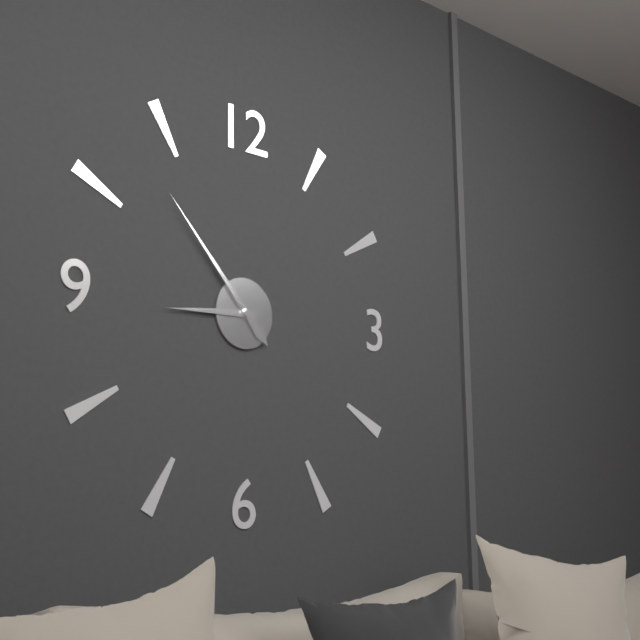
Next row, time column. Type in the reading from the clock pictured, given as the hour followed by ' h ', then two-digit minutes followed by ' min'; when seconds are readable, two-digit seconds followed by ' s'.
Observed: 8 h 53 min
